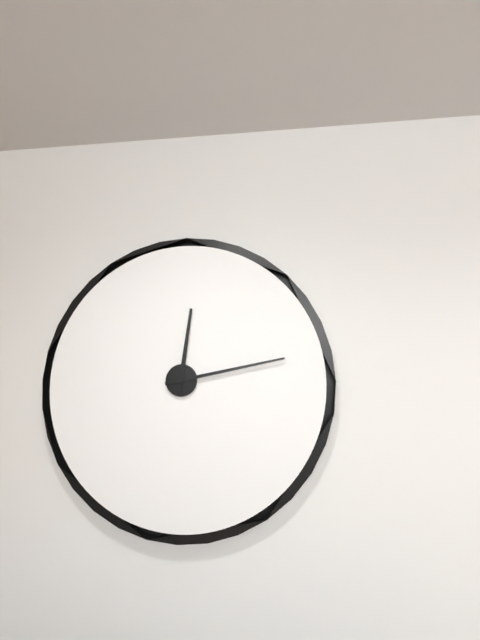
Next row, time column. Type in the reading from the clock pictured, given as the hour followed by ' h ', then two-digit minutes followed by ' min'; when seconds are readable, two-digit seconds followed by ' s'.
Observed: 12 h 13 min
